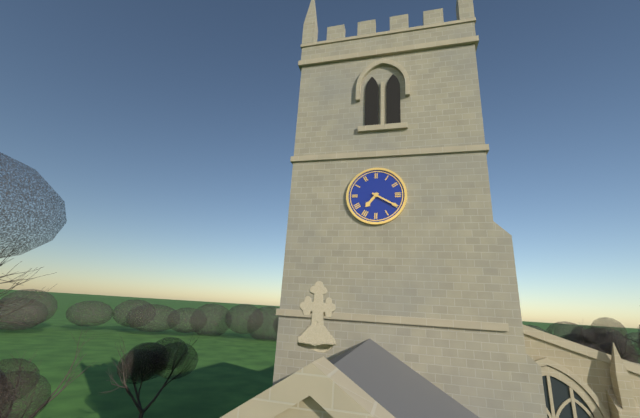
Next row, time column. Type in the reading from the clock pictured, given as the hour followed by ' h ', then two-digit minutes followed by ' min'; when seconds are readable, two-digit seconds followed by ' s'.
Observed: 7 h 20 min
